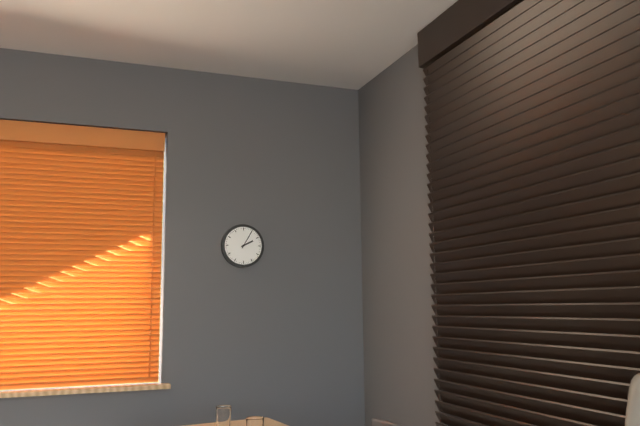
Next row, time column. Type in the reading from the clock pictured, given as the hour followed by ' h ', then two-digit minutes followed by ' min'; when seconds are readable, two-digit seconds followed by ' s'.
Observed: 2 h 05 min
